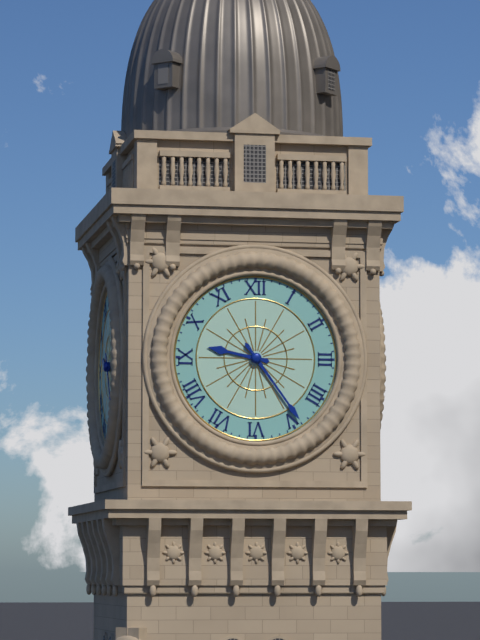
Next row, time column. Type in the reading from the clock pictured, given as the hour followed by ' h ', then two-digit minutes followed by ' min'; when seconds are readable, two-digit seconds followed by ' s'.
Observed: 9 h 24 min
